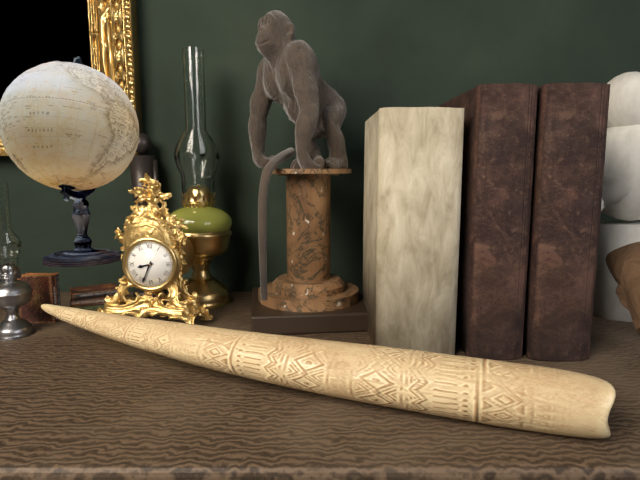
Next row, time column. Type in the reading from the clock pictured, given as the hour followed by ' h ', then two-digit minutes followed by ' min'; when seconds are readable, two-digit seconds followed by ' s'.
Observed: 8 h 34 min
